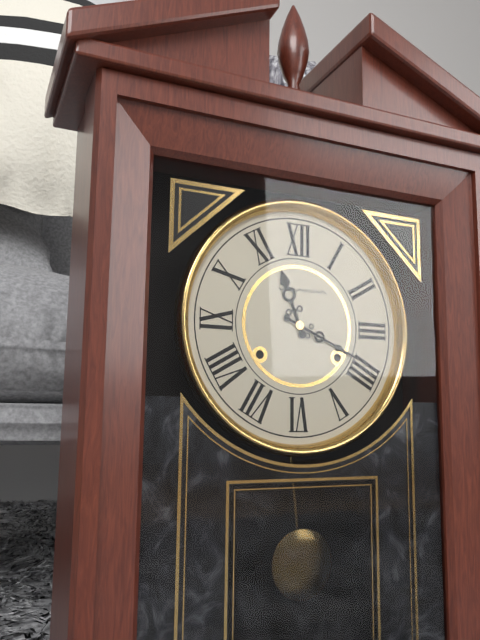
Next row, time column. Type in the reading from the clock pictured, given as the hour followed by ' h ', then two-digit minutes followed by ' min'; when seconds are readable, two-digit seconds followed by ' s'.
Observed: 11 h 19 min
